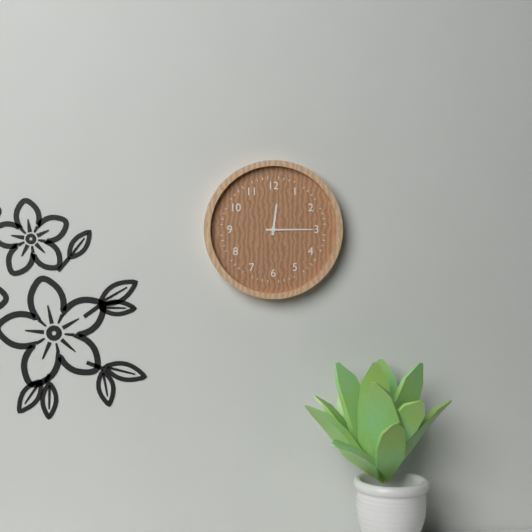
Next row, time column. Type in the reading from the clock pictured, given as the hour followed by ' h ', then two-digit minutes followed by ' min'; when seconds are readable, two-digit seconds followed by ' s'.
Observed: 12 h 15 min
